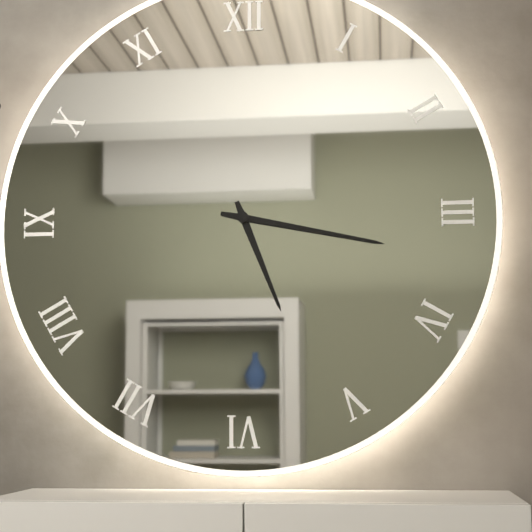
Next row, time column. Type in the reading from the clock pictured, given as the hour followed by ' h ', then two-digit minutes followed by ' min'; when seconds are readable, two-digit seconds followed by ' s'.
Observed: 5 h 17 min
